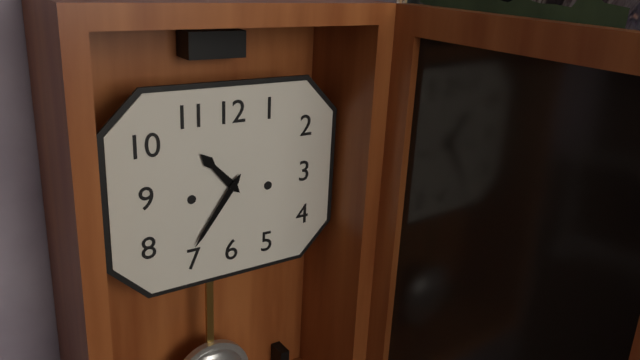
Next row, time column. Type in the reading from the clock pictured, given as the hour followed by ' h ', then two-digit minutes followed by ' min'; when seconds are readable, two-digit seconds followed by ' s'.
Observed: 10 h 36 min
